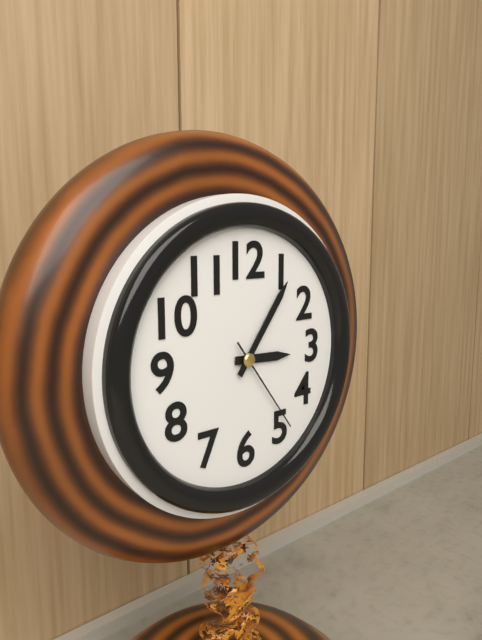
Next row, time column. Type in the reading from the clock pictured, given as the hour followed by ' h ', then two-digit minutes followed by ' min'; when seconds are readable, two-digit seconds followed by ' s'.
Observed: 3 h 06 min 24 s
